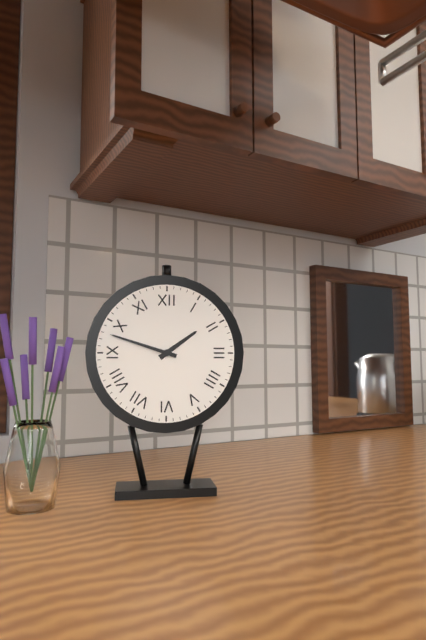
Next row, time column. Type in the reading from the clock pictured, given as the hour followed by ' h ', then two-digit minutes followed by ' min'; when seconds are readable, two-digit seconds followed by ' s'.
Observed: 1 h 48 min
